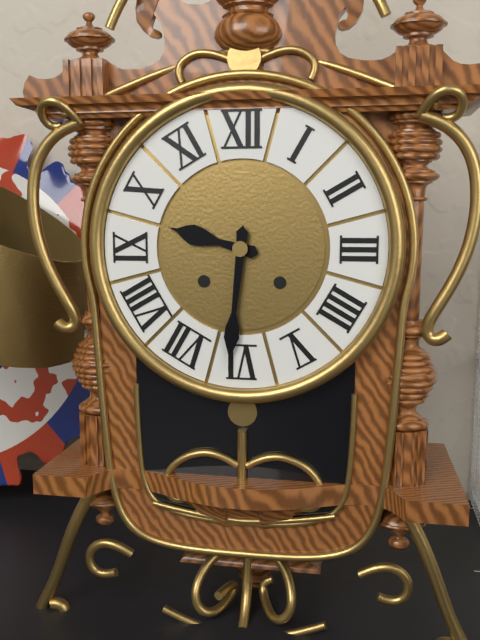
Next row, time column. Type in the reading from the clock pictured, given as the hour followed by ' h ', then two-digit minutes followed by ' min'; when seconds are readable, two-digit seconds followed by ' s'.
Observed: 9 h 31 min
